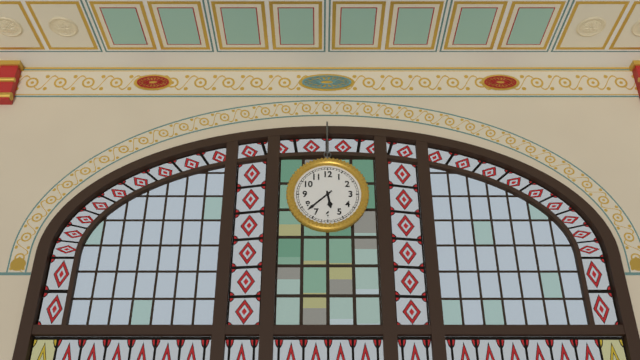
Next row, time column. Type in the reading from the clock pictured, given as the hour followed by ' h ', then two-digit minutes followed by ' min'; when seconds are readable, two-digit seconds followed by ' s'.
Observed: 5 h 38 min
